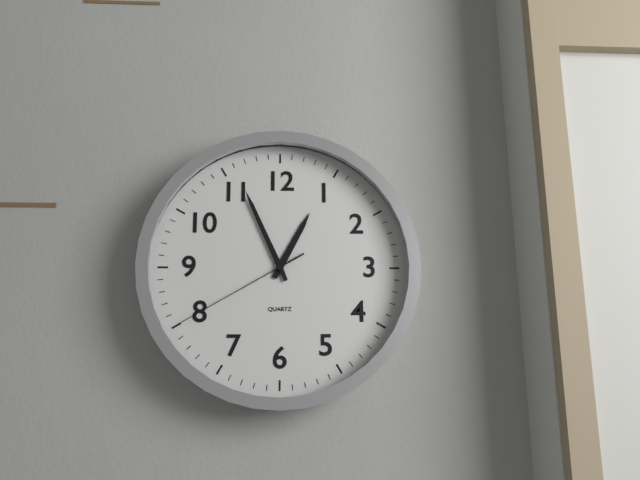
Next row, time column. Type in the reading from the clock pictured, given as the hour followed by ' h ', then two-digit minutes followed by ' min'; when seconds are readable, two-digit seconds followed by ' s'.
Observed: 12 h 56 min 40 s
